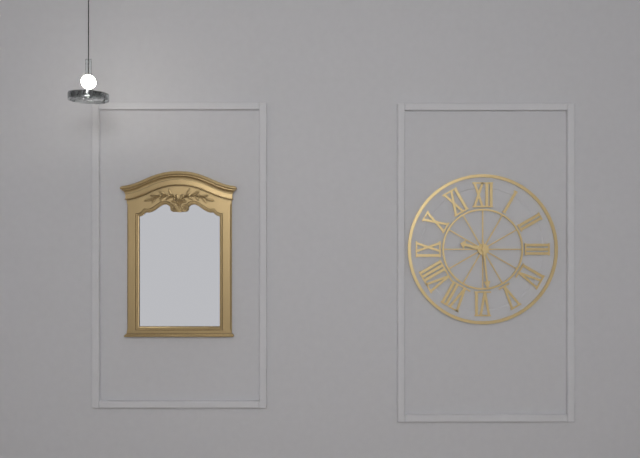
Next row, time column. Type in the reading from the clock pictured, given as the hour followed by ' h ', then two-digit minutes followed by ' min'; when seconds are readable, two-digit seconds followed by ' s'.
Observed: 9 h 29 min
